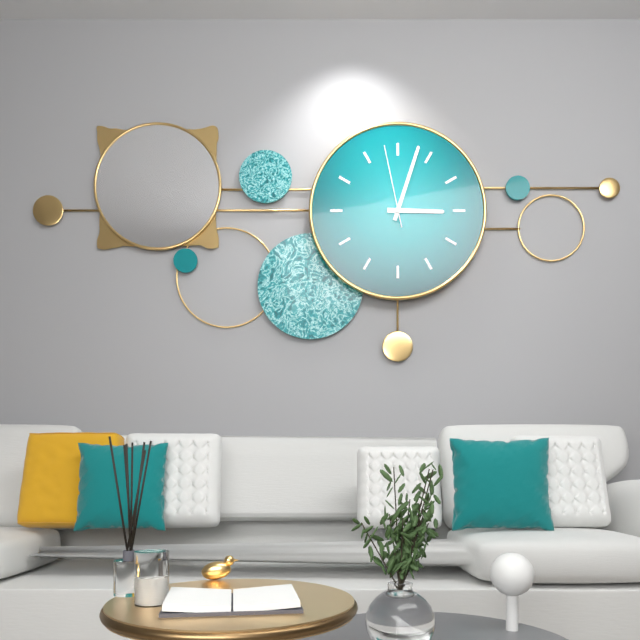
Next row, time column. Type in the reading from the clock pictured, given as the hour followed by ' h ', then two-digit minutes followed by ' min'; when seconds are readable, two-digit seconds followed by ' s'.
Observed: 3 h 03 min 58 s
